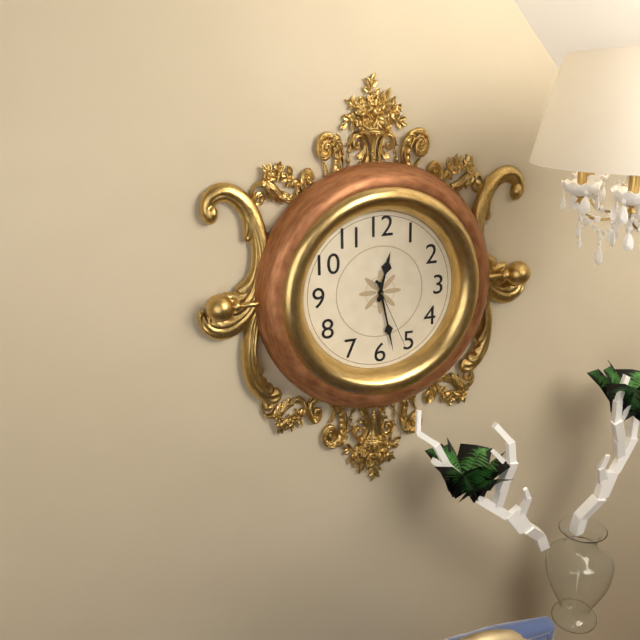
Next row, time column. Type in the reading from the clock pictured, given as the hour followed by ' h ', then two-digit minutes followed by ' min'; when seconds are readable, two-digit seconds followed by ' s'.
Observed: 12 h 28 min 26 s
